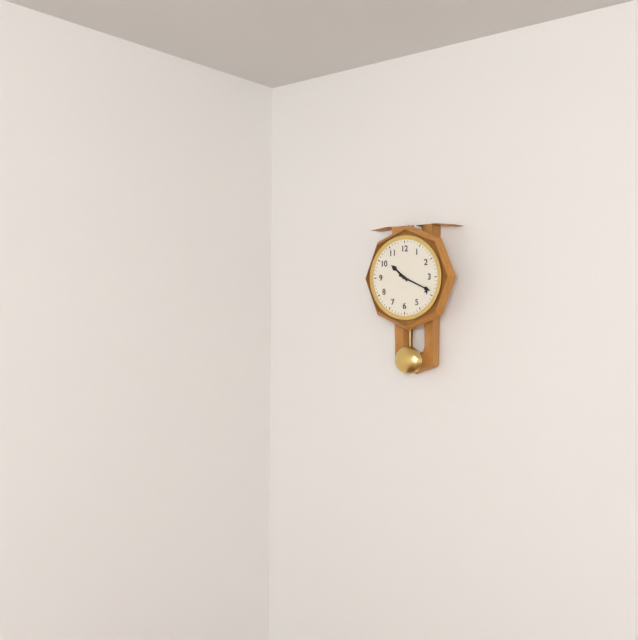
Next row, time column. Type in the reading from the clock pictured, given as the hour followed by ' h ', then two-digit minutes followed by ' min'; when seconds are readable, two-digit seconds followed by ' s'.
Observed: 10 h 19 min
